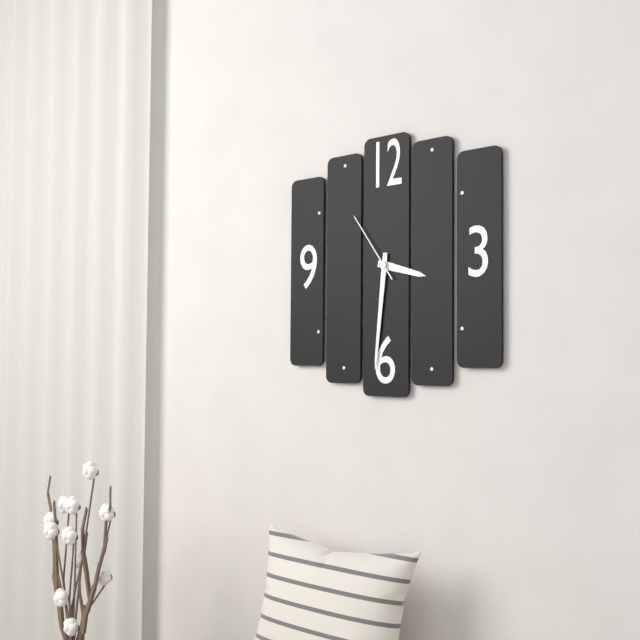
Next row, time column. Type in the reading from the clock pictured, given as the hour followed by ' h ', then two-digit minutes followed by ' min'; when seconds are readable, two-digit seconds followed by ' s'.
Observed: 3 h 31 min 54 s
